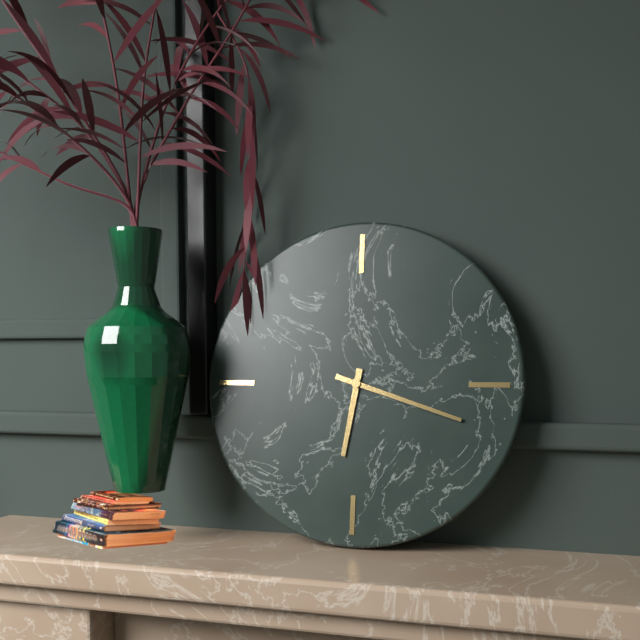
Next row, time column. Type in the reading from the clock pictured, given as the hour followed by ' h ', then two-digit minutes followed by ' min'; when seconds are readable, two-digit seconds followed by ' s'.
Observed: 6 h 18 min
